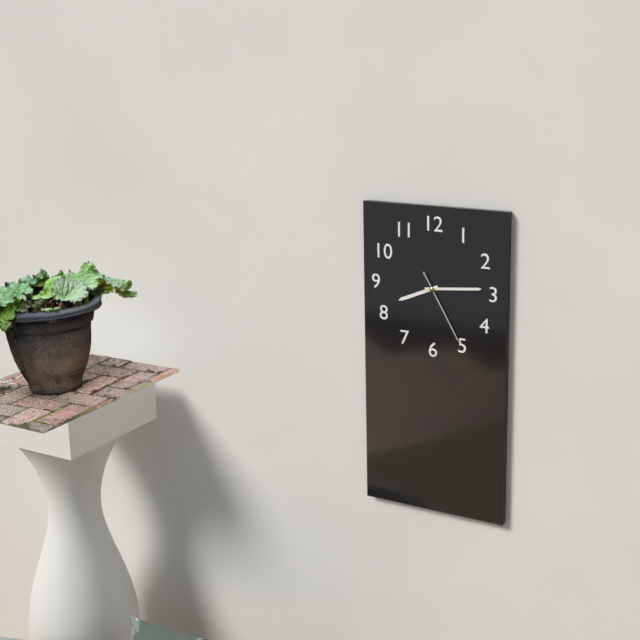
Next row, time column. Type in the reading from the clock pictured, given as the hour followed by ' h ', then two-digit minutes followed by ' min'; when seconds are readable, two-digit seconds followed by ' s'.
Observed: 8 h 14 min 25 s
